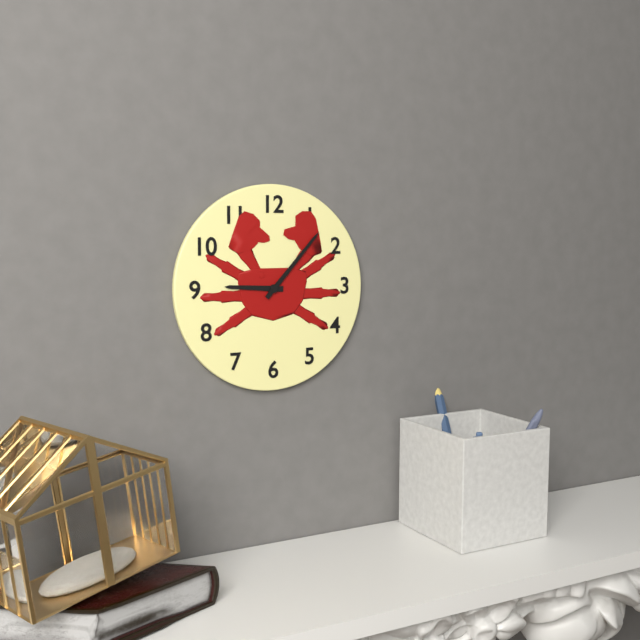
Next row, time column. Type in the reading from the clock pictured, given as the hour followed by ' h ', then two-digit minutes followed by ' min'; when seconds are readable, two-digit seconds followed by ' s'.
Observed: 9 h 07 min
